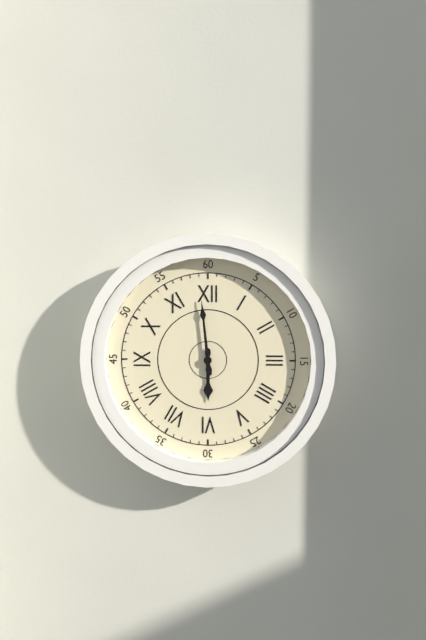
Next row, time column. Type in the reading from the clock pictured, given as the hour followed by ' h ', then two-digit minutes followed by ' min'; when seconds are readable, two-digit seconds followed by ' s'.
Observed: 5 h 59 min
